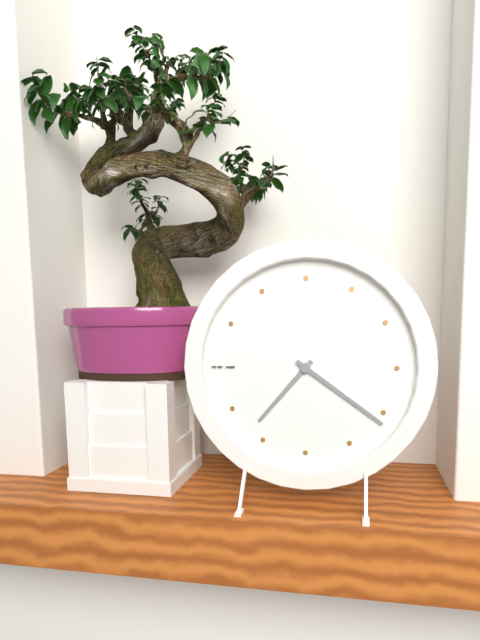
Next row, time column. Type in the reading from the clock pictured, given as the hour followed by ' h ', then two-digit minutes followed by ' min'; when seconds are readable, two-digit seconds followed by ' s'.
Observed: 7 h 21 min
